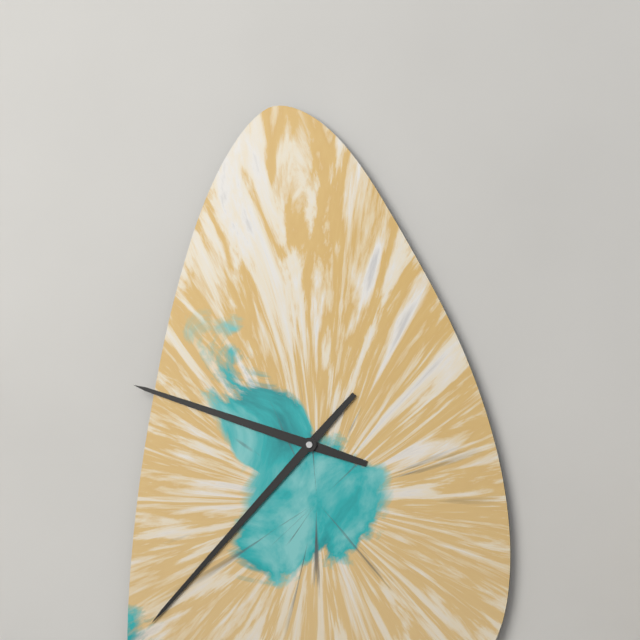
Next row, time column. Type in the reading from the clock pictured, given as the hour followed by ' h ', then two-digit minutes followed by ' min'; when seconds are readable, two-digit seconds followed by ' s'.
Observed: 9 h 37 min
